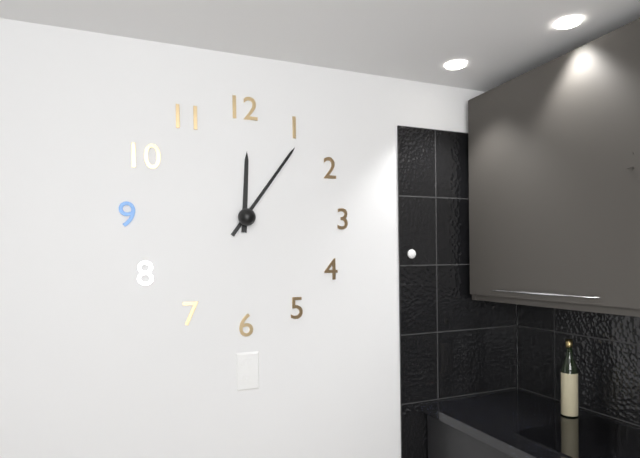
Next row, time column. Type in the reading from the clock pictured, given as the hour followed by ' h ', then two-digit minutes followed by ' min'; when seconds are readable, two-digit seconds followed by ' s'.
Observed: 12 h 06 min
